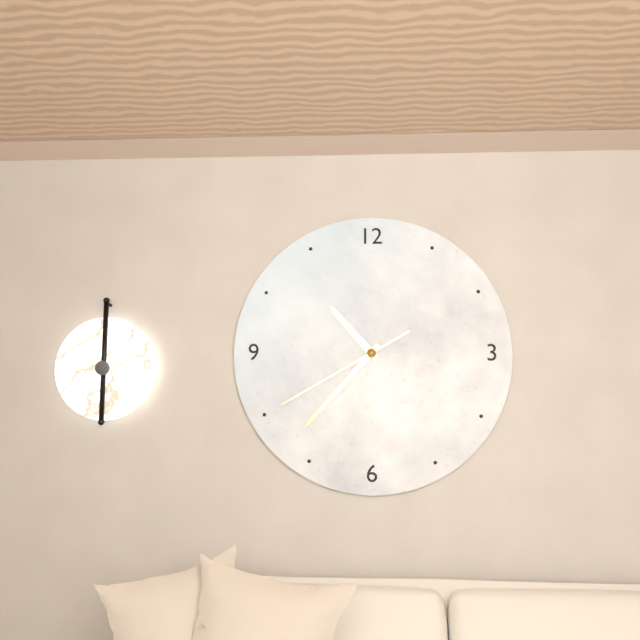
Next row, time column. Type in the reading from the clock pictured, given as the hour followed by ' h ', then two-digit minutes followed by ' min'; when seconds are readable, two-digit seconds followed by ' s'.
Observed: 10 h 37 min 40 s
